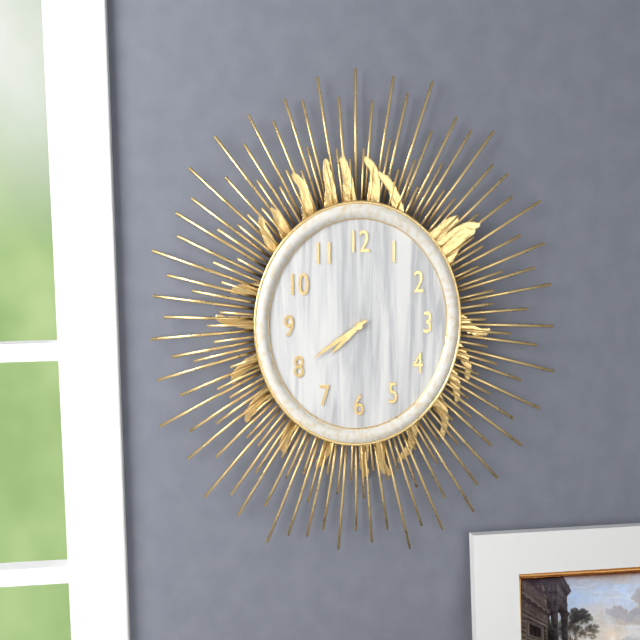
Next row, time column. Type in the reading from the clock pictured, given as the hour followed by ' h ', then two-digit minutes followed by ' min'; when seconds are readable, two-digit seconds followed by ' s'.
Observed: 7 h 40 min
